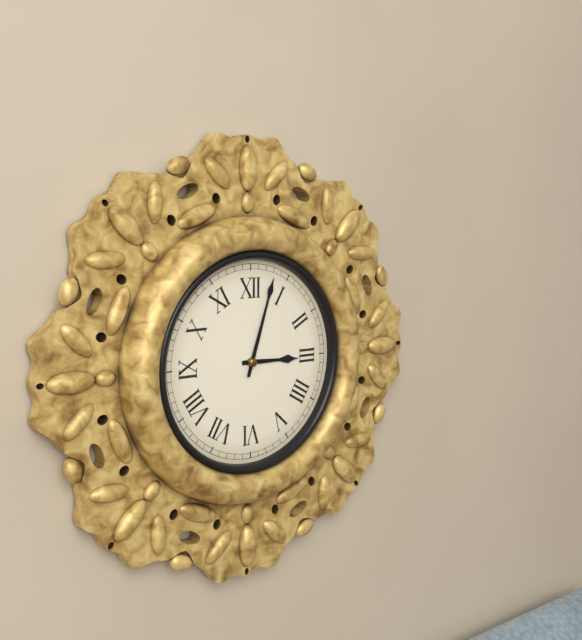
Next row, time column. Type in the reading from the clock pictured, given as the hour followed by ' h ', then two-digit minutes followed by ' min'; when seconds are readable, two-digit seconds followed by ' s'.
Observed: 3 h 03 min
